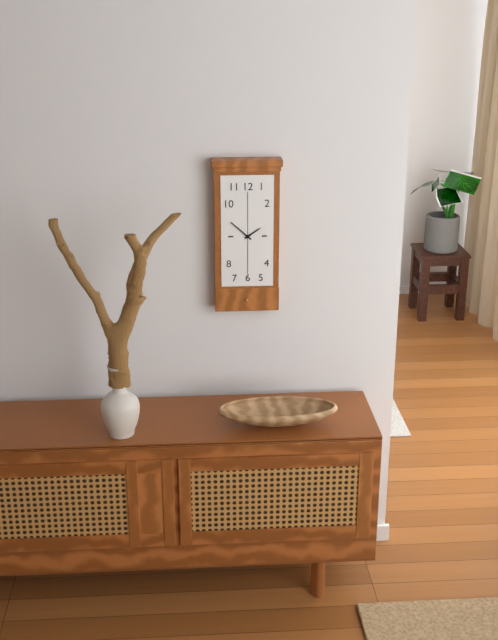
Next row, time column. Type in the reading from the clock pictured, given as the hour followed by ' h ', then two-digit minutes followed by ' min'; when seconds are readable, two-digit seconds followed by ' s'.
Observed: 1 h 52 min
